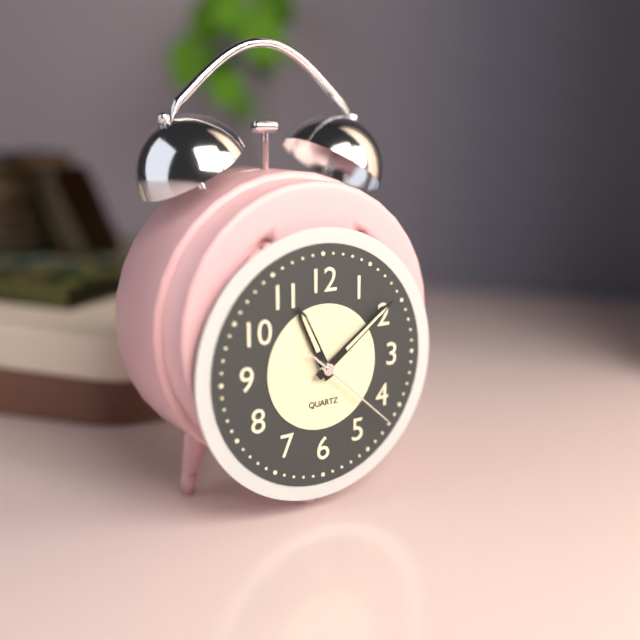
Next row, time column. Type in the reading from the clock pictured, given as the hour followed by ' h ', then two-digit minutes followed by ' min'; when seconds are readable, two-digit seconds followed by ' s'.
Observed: 11 h 09 min 22 s
